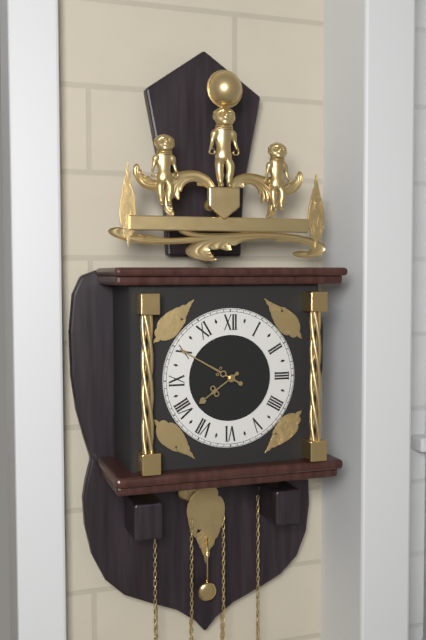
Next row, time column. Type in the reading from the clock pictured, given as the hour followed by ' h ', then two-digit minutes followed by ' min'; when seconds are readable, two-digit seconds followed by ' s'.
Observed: 7 h 50 min
